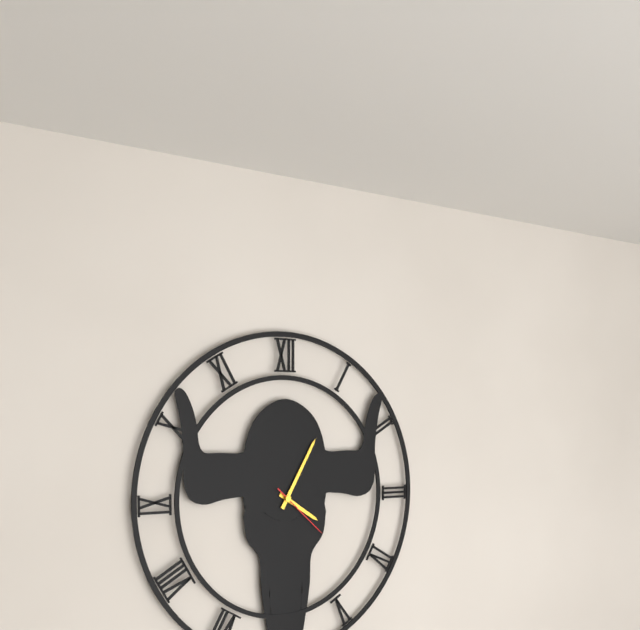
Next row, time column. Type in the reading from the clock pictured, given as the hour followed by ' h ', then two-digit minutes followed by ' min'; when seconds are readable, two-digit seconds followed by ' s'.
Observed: 4 h 05 min 22 s
